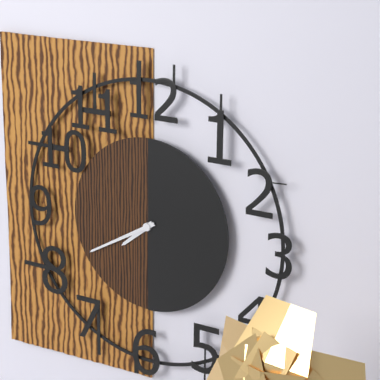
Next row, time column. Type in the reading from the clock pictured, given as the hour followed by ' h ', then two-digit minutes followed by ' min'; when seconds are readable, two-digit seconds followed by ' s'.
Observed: 7 h 40 min
